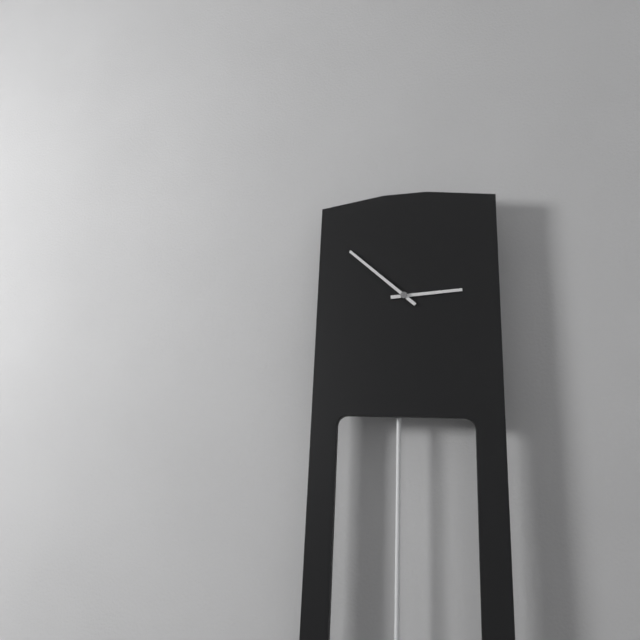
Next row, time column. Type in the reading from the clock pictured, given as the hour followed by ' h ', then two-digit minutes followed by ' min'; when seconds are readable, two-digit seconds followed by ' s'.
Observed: 2 h 52 min
